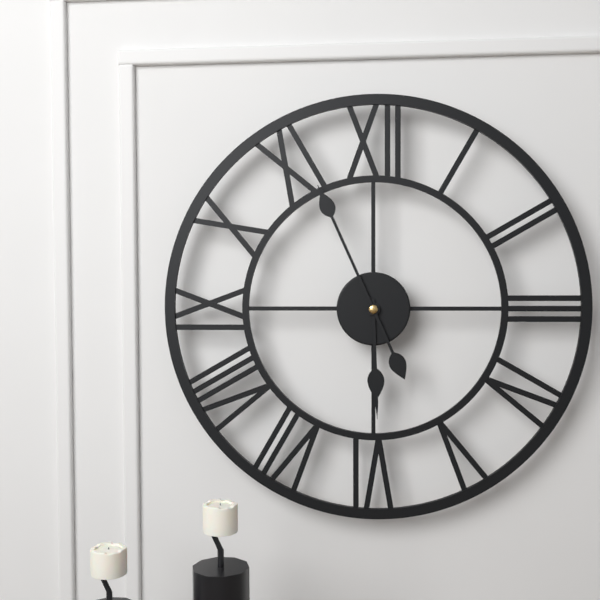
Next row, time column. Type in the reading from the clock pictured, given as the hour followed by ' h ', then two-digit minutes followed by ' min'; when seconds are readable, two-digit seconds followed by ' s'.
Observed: 5 h 56 min
